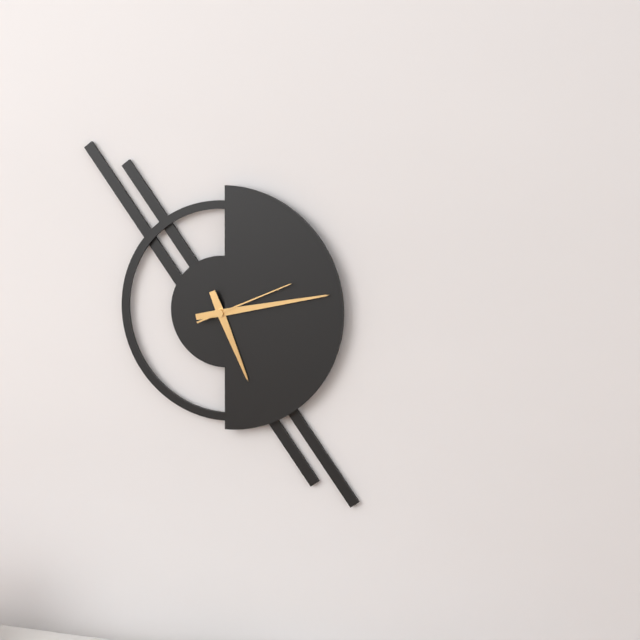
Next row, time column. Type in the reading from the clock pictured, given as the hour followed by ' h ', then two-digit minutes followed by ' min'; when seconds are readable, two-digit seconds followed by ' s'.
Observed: 5 h 13 min 11 s
